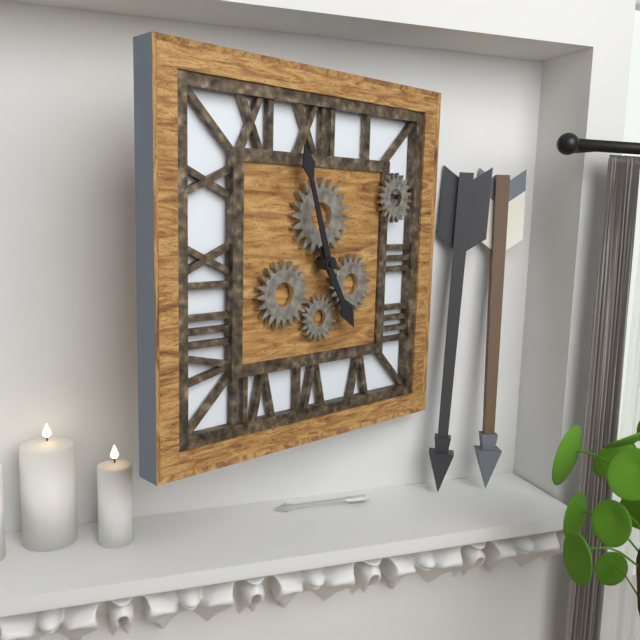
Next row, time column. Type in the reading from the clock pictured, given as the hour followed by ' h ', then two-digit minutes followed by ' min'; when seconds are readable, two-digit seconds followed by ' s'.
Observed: 4 h 57 min
